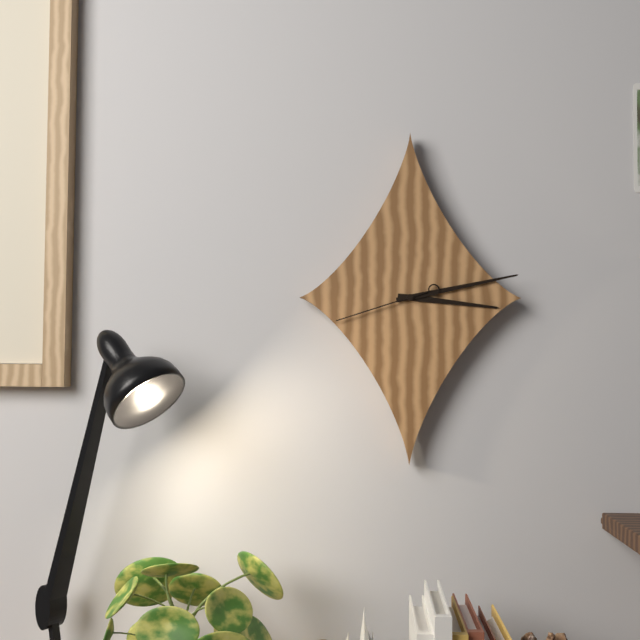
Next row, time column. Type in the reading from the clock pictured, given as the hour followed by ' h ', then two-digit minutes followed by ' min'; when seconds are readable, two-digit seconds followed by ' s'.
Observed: 3 h 13 min 42 s
